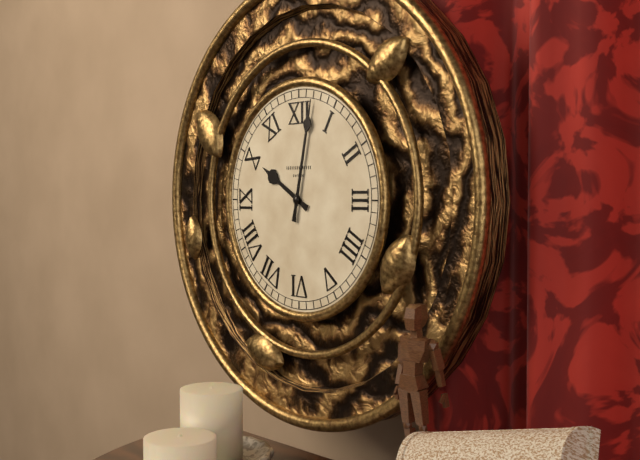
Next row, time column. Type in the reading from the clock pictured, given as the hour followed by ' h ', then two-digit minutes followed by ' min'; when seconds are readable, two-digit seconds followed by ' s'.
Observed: 10 h 02 min
